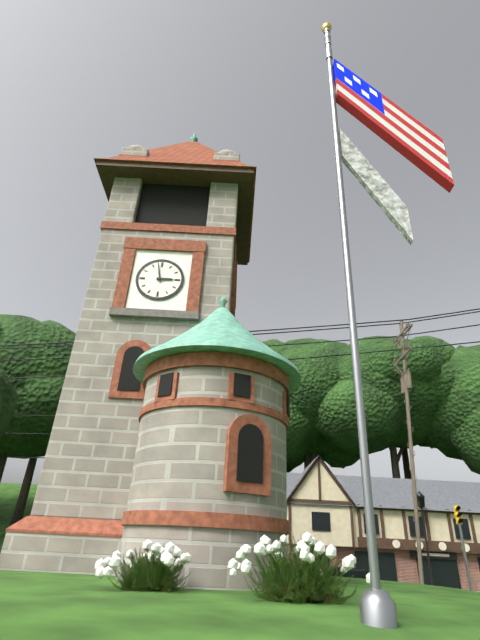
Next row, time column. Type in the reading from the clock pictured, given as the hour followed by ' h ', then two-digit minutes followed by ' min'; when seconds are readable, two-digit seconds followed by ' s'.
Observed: 2 h 58 min
